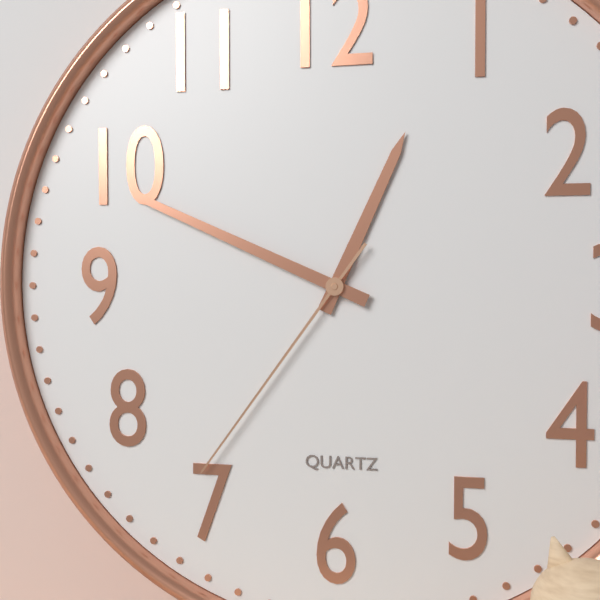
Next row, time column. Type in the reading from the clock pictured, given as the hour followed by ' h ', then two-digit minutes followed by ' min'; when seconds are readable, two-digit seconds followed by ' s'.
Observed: 12 h 49 min 36 s
